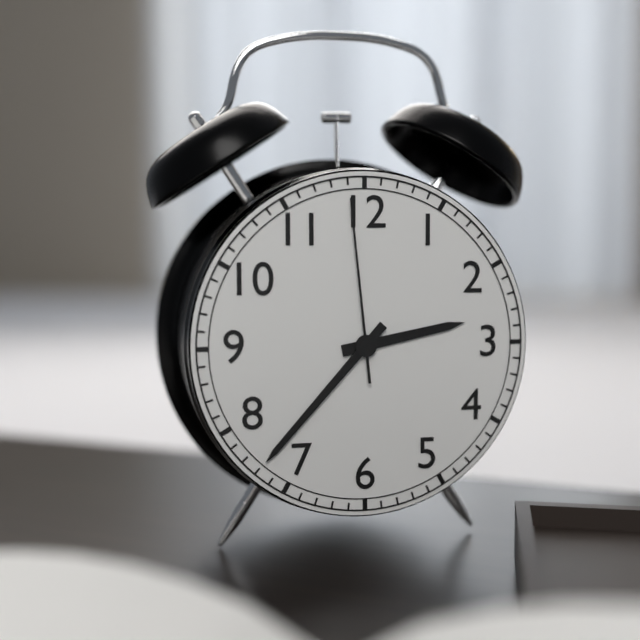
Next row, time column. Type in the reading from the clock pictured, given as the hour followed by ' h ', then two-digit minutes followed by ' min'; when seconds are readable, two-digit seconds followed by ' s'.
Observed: 2 h 37 min 59 s
